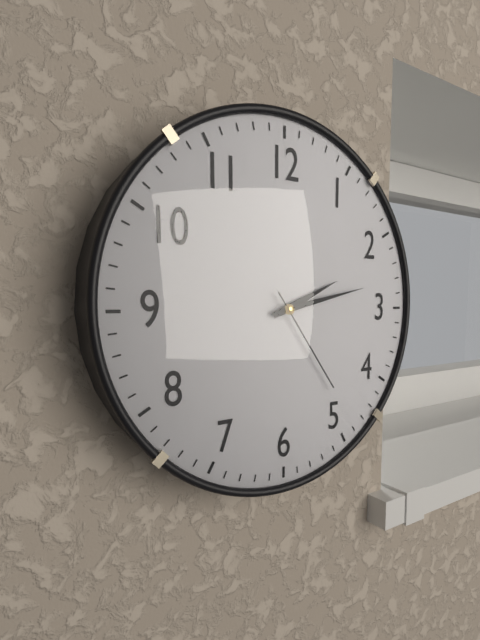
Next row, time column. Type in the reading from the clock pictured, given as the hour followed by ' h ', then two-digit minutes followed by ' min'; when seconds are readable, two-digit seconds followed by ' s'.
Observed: 2 h 13 min 24 s
